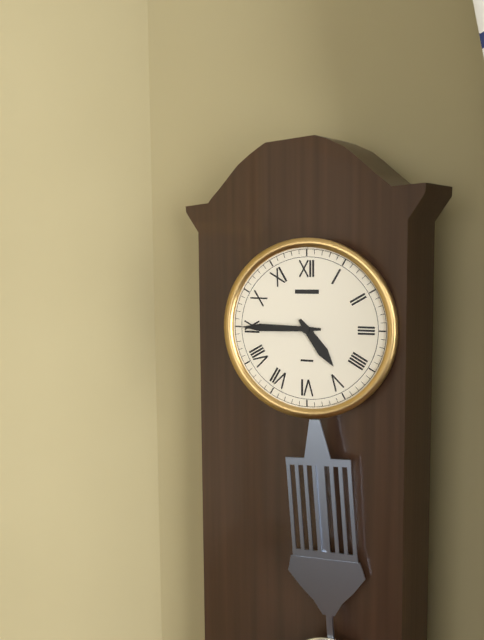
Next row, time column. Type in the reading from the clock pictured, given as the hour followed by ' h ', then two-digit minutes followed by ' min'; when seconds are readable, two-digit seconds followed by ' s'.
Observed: 4 h 45 min
